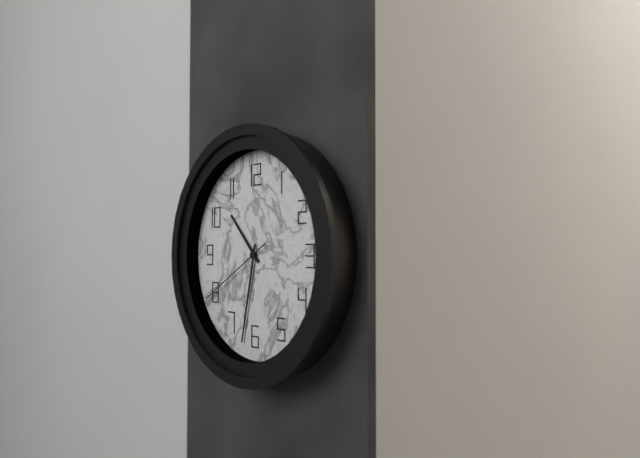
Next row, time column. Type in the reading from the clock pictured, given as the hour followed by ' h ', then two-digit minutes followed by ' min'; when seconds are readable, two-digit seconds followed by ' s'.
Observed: 10 h 32 min 40 s
